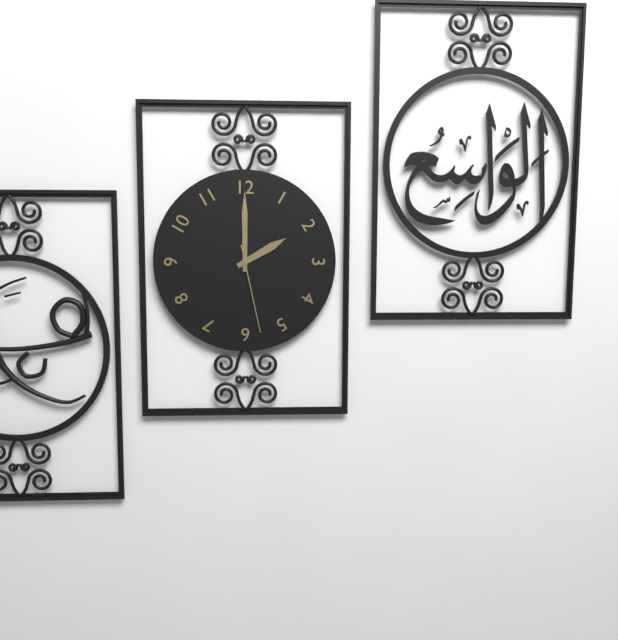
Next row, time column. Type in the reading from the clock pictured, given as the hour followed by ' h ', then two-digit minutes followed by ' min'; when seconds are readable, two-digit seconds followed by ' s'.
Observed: 2 h 00 min 28 s
